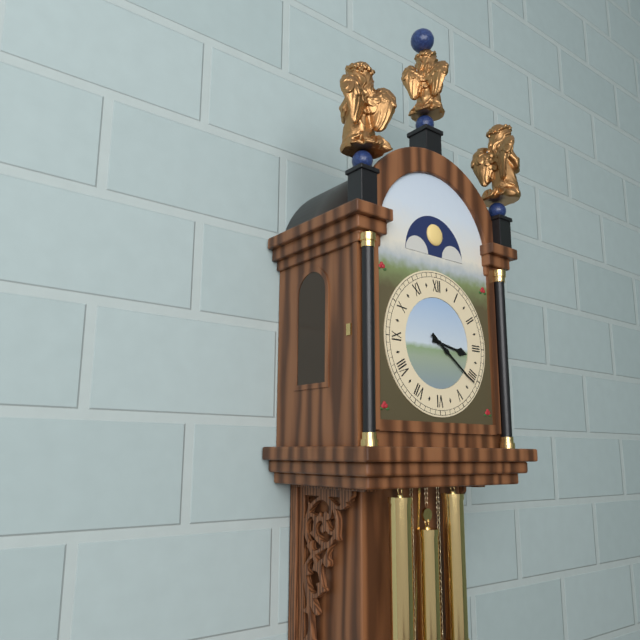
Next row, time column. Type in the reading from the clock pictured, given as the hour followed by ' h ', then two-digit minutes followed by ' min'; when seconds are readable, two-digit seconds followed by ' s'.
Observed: 3 h 21 min
